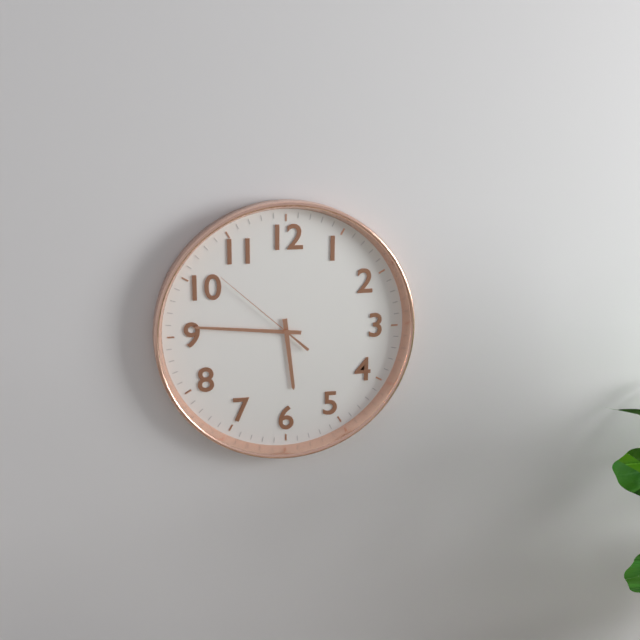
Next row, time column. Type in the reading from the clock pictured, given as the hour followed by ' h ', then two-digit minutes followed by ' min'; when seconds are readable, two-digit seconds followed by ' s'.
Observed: 5 h 46 min 52 s
